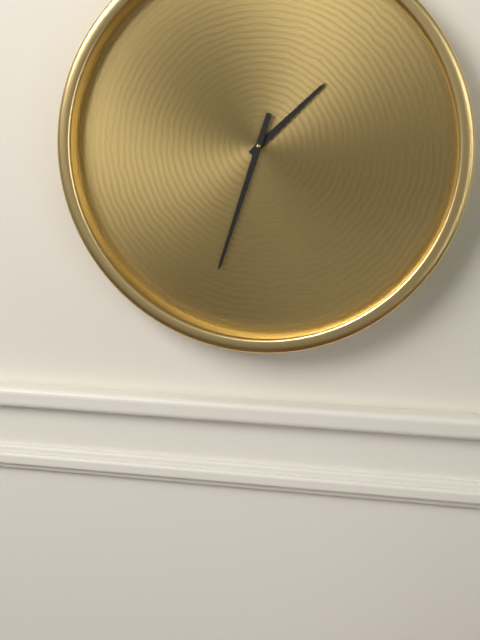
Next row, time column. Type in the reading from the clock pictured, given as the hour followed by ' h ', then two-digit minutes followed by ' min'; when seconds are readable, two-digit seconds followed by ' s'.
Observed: 1 h 33 min
